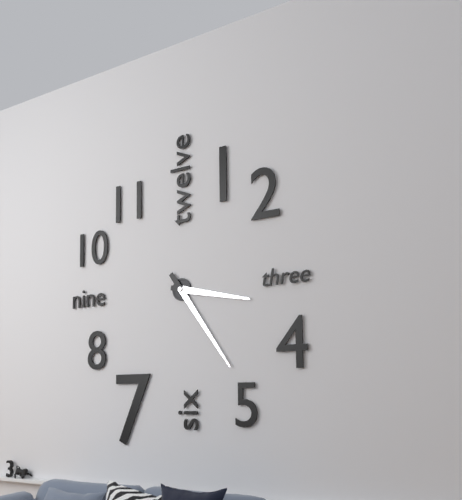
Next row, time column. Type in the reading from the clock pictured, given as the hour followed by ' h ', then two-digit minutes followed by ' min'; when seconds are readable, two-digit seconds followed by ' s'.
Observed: 3 h 24 min
